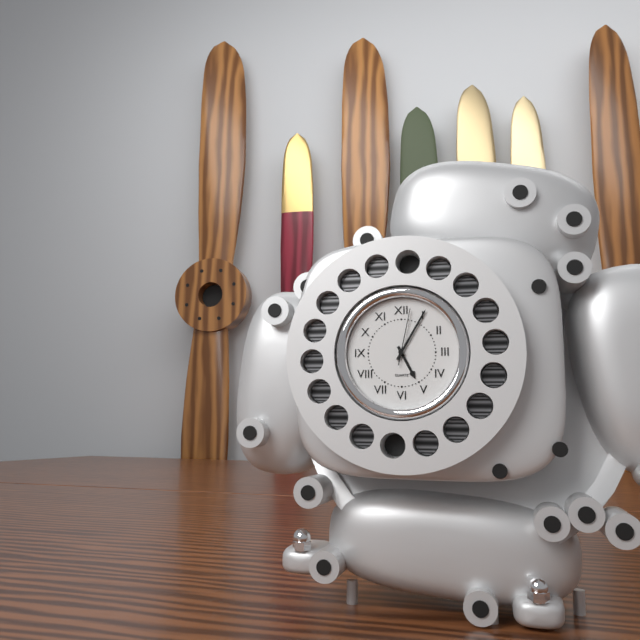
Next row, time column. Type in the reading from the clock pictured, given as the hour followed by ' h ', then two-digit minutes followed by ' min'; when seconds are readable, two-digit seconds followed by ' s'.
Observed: 5 h 05 min 02 s
